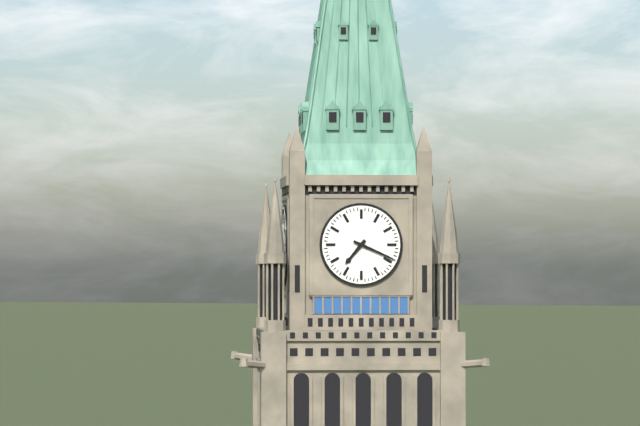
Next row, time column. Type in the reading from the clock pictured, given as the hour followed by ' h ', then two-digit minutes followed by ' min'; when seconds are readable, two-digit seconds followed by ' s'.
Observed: 7 h 19 min
